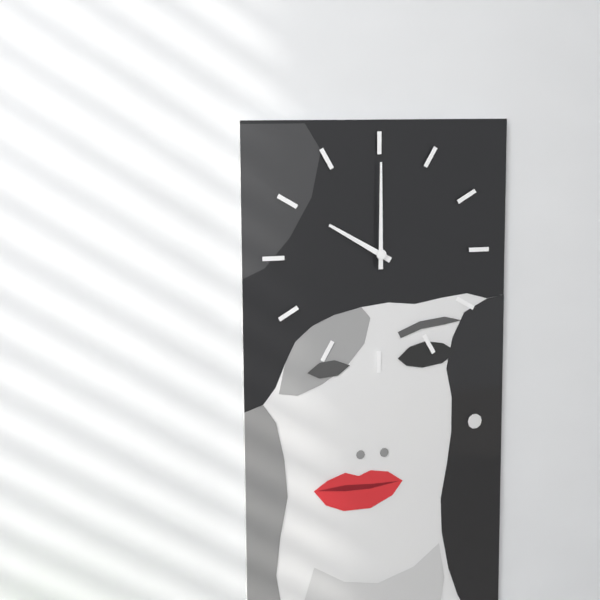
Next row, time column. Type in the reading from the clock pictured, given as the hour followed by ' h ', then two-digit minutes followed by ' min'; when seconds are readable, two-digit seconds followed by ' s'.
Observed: 10 h 00 min
